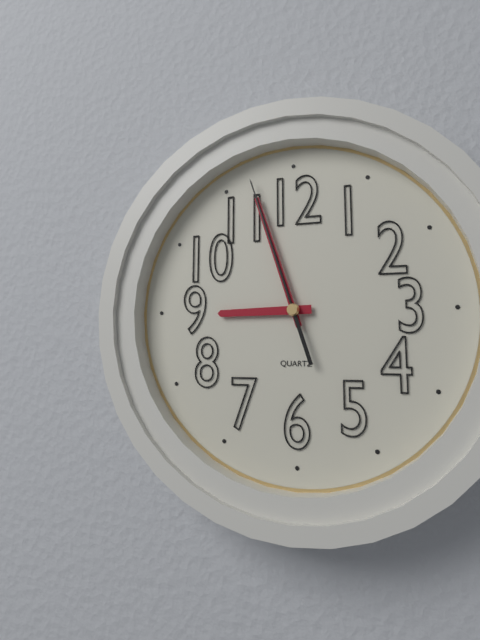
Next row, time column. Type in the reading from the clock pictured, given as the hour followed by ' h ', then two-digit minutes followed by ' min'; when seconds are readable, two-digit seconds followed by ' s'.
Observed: 8 h 57 min 57 s
